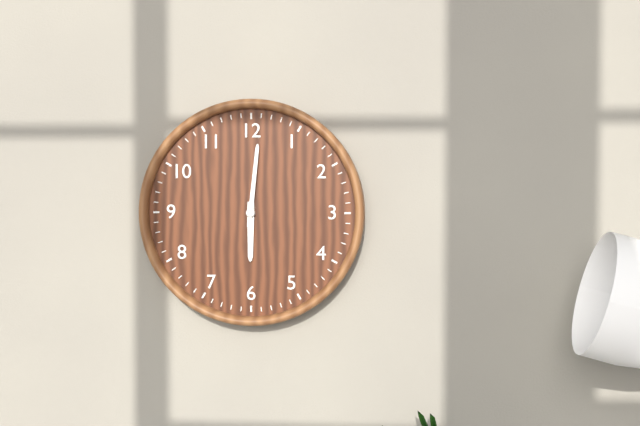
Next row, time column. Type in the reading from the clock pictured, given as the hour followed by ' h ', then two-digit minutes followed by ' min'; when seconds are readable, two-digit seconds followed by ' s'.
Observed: 6 h 01 min
